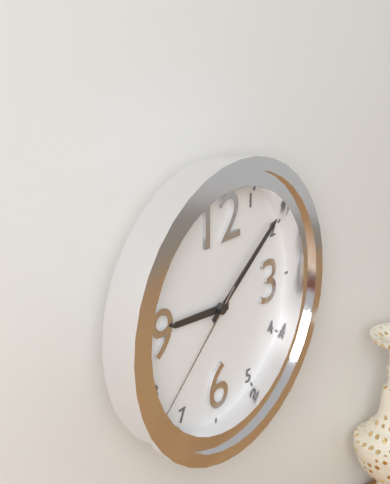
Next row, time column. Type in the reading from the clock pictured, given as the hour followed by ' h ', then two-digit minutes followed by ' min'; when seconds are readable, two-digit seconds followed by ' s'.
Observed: 9 h 09 min 38 s
